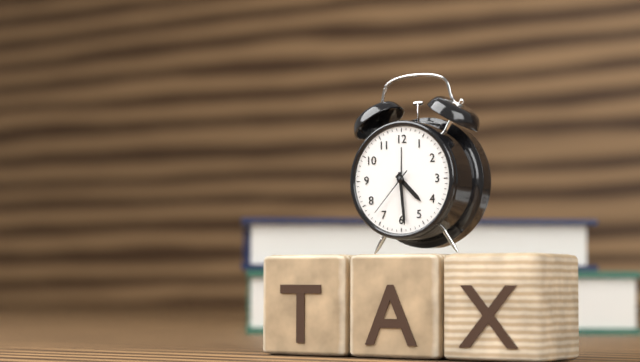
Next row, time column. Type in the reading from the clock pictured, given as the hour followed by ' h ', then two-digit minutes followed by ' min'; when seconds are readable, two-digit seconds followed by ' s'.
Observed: 4 h 29 min 37 s
